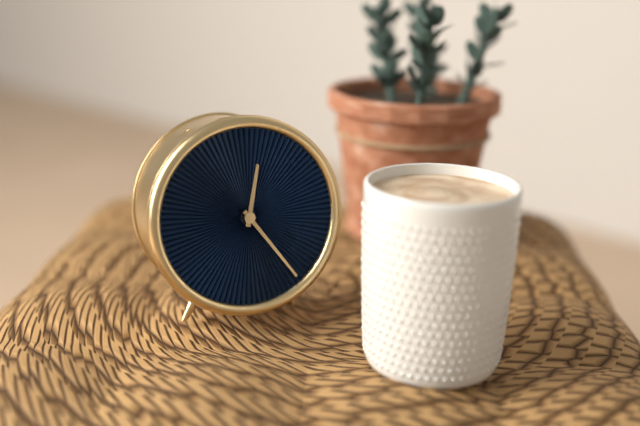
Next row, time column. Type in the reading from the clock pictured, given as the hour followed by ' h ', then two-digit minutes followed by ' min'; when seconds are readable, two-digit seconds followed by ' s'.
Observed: 12 h 24 min
